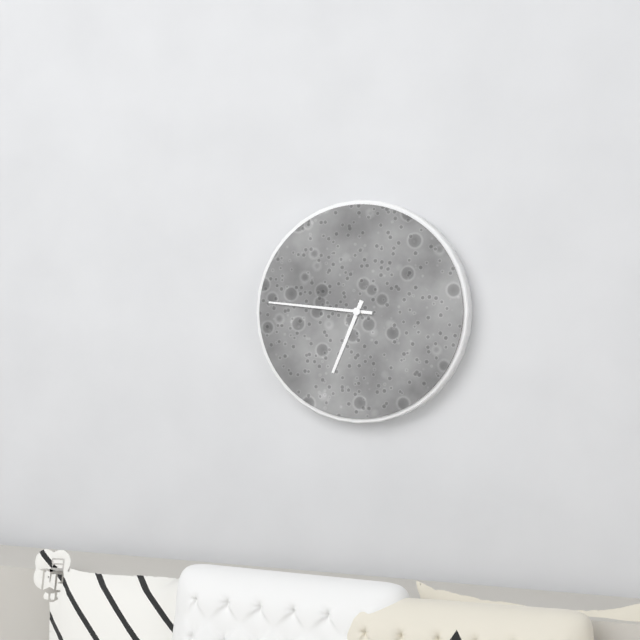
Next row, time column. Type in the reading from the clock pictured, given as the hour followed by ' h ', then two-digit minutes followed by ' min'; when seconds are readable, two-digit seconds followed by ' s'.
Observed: 6 h 46 min
